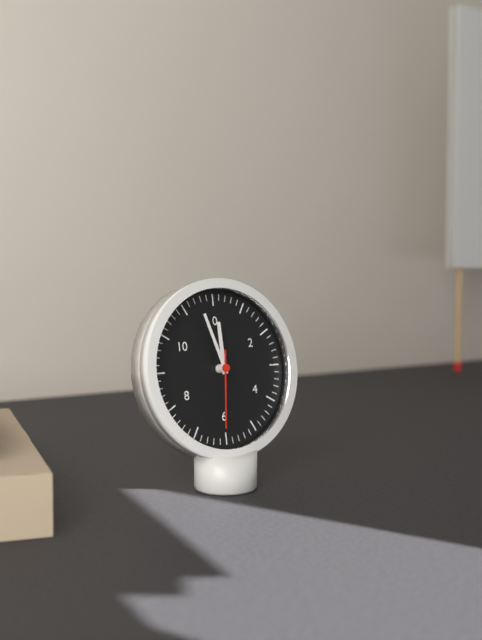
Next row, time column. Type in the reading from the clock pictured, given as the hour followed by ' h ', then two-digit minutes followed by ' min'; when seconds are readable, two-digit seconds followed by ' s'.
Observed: 11 h 57 min 31 s
